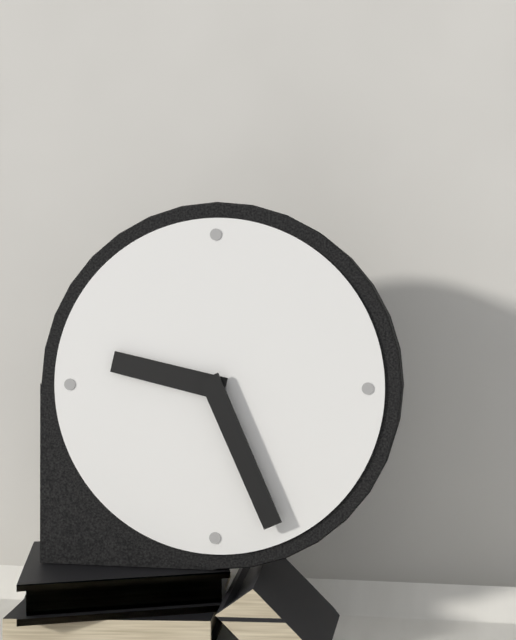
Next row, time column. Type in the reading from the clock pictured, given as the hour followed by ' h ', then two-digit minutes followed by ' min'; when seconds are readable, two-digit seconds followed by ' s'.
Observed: 9 h 26 min
